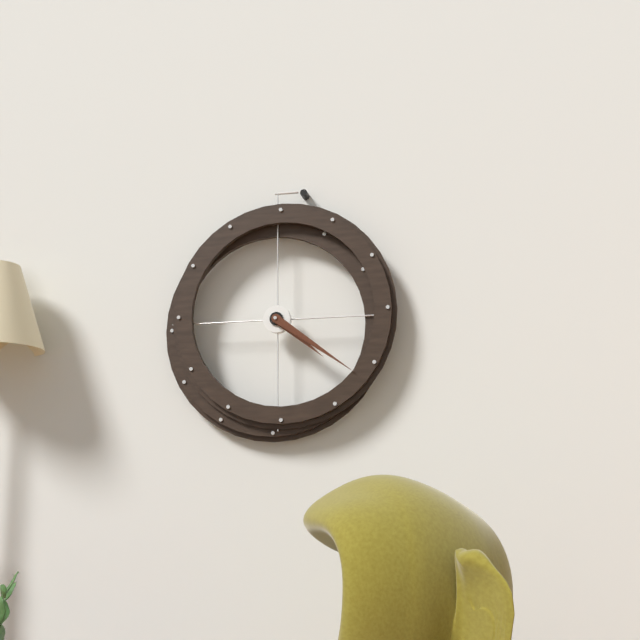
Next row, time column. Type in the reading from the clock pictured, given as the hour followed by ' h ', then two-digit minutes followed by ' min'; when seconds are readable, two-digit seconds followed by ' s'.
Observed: 4 h 21 min
